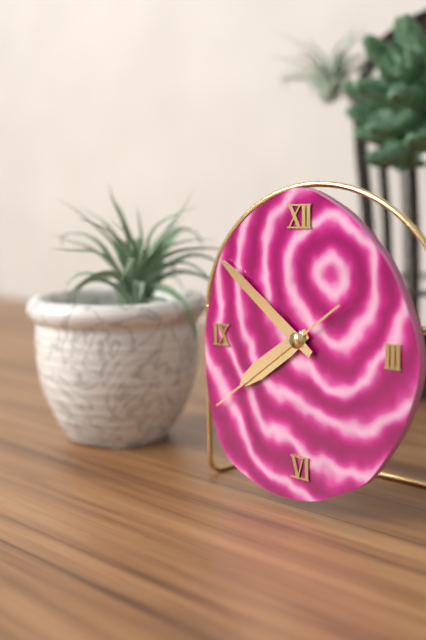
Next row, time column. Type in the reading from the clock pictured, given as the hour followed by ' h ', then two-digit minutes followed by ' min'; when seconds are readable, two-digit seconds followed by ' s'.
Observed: 7 h 51 min 39 s
